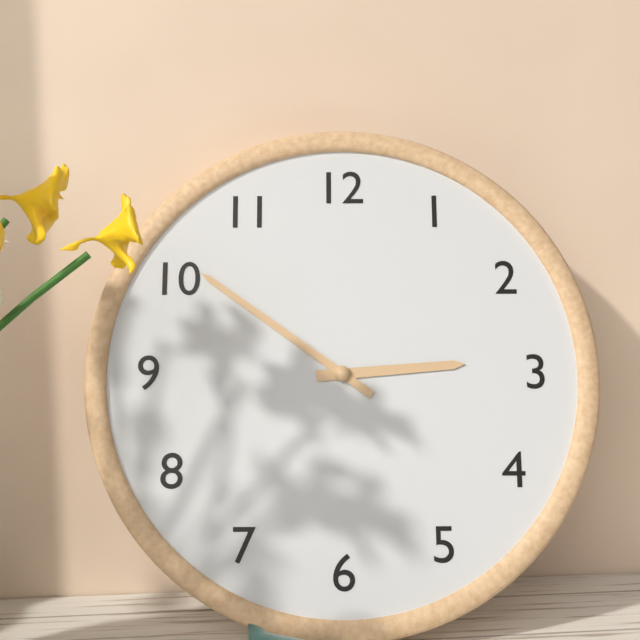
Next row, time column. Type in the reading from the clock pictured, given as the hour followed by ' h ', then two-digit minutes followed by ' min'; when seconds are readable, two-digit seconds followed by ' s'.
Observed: 2 h 51 min
